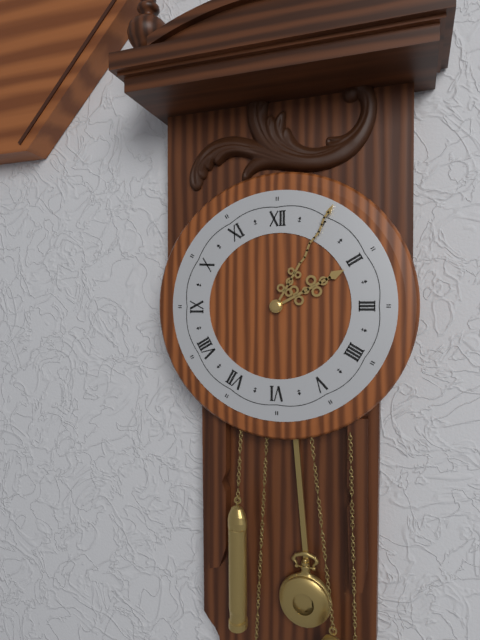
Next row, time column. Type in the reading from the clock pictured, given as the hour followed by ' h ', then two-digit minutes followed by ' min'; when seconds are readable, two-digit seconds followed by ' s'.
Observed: 2 h 05 min
